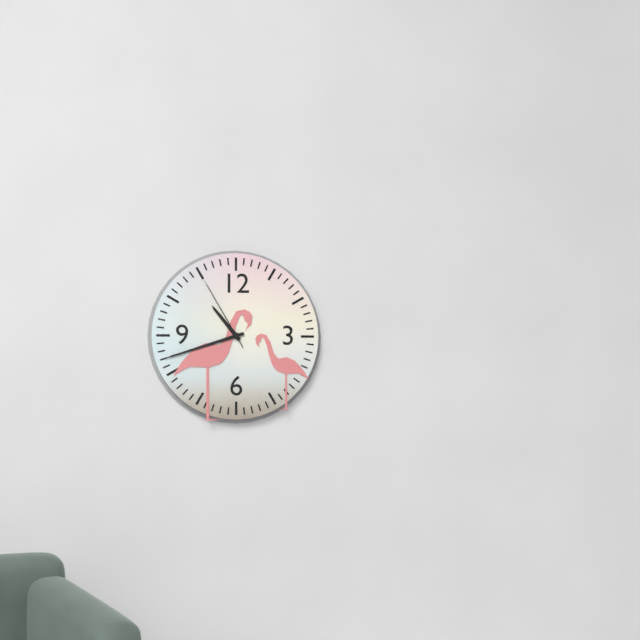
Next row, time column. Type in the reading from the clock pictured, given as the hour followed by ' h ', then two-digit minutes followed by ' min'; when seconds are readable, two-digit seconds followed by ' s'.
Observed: 10 h 42 min 55 s
